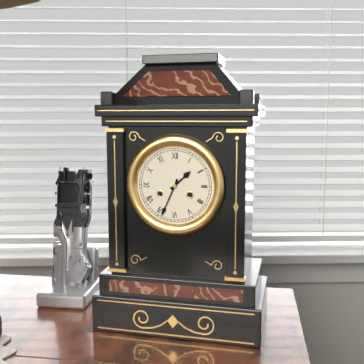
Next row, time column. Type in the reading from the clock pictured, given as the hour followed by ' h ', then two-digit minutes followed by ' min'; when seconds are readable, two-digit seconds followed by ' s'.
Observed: 1 h 34 min
